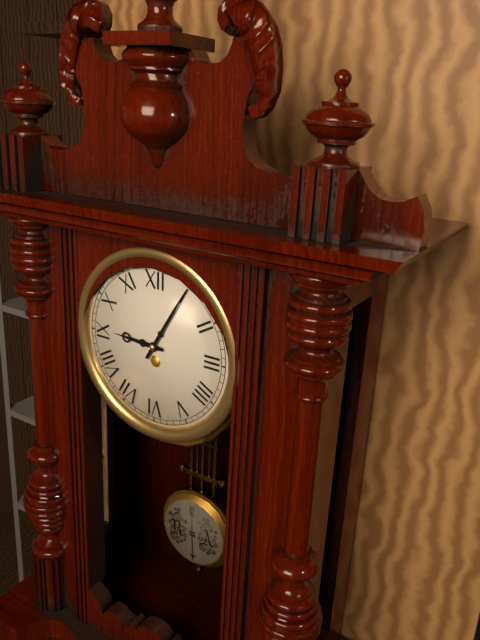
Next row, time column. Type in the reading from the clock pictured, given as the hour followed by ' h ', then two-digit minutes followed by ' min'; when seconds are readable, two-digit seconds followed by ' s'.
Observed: 9 h 05 min
